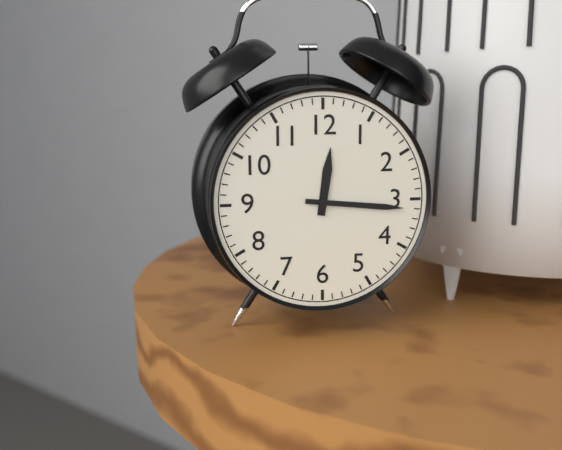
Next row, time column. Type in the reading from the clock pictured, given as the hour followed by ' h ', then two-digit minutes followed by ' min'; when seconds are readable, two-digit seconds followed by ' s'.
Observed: 12 h 16 min
